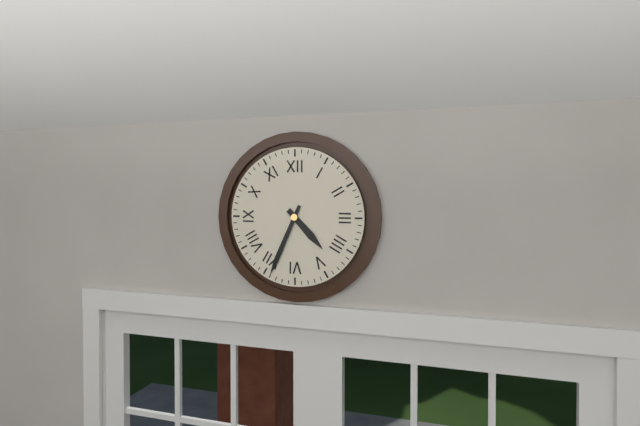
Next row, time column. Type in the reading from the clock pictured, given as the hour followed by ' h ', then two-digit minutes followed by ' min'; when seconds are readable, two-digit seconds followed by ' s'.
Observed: 4 h 34 min
